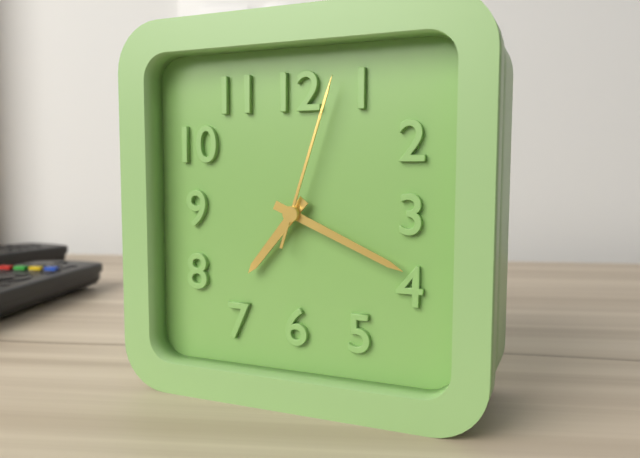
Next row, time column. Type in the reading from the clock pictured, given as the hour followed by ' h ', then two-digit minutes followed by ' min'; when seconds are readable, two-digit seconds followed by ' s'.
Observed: 7 h 19 min 03 s
